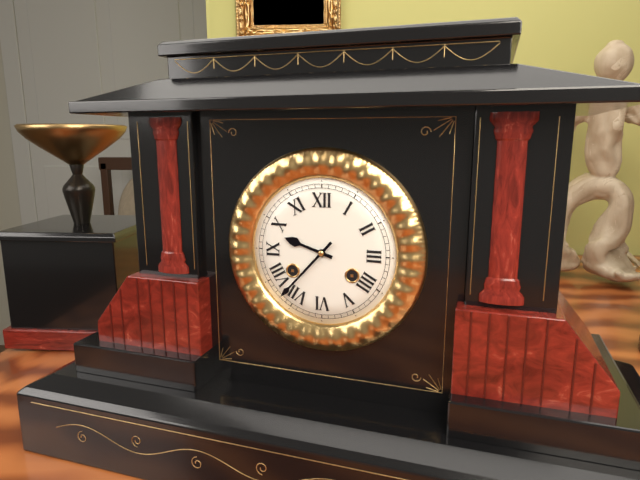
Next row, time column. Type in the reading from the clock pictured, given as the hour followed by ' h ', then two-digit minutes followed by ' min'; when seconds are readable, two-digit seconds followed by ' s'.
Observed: 9 h 37 min
